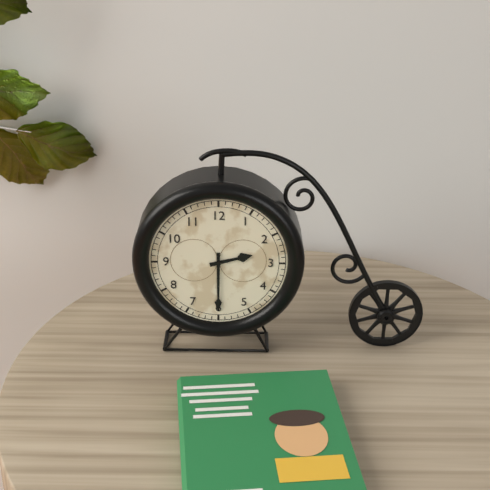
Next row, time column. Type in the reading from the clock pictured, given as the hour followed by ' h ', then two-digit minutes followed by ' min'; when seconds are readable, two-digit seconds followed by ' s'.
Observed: 2 h 30 min
